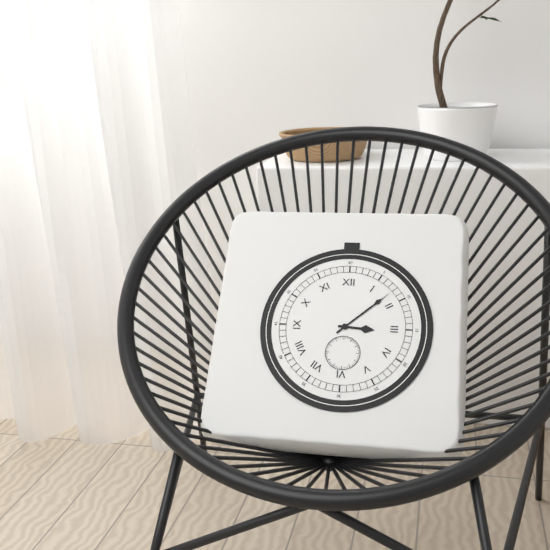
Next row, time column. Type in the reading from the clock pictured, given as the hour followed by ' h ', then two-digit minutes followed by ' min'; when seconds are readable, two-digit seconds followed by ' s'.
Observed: 3 h 08 min
